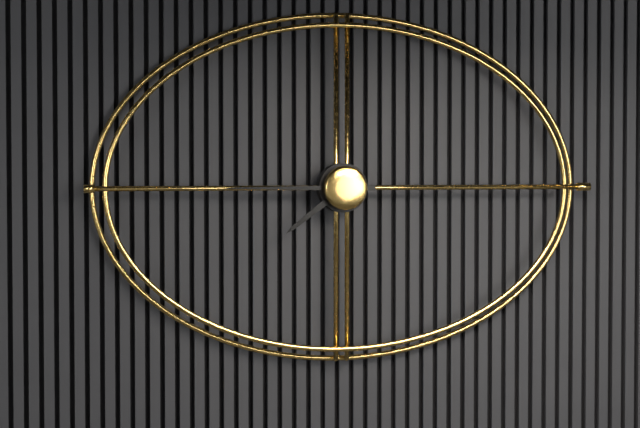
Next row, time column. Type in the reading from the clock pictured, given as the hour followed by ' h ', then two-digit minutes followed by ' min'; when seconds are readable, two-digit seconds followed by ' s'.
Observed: 7 h 45 min
